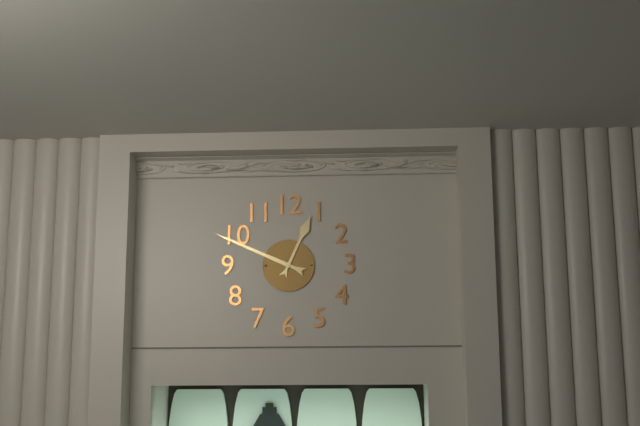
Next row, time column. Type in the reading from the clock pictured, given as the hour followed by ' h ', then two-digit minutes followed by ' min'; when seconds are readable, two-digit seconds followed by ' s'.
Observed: 12 h 49 min
